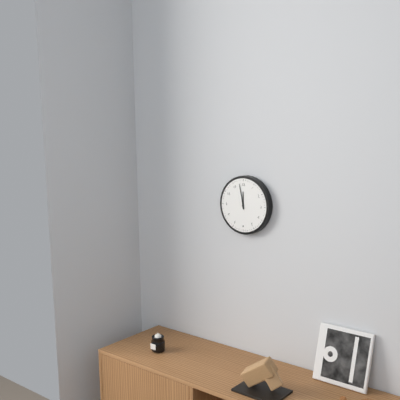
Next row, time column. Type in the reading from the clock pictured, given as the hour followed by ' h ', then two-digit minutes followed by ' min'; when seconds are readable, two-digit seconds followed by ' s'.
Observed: 11 h 58 min
